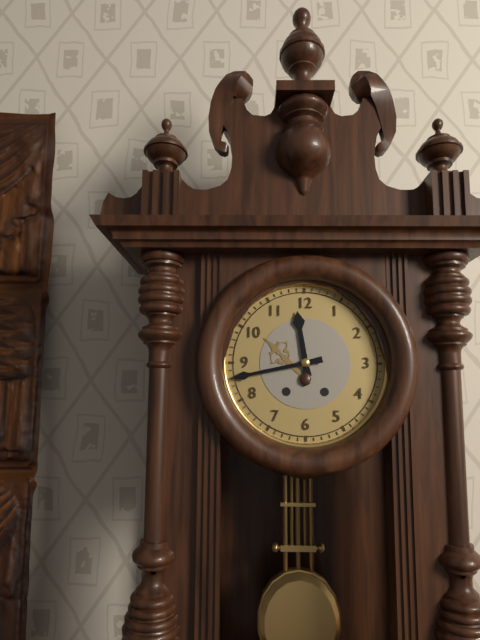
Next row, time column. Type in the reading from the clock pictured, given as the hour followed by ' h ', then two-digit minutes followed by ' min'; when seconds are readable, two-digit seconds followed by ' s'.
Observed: 11 h 43 min
